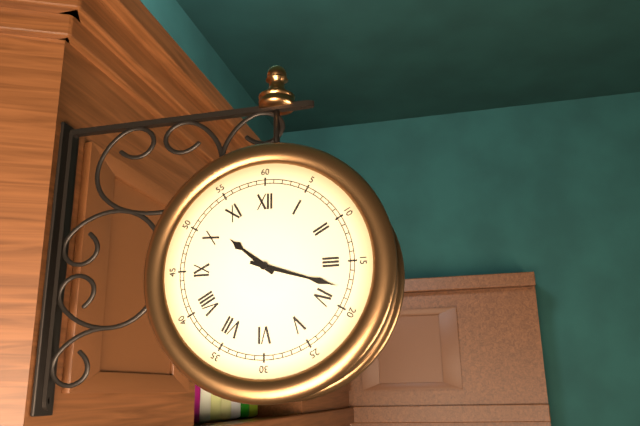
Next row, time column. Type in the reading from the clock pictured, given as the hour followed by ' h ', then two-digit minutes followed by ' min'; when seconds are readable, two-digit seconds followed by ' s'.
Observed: 10 h 18 min
